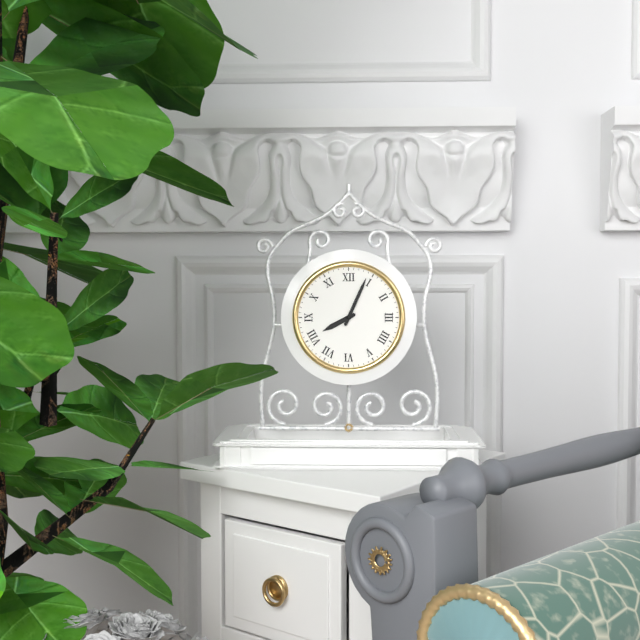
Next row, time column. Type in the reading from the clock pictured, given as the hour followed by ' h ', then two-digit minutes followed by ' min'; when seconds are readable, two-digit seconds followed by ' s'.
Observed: 8 h 04 min
